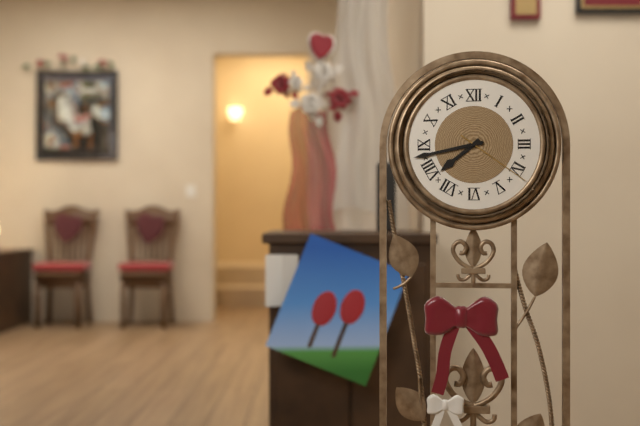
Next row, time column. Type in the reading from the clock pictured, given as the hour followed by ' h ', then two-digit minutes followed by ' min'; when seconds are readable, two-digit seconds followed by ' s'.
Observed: 7 h 43 min 21 s
